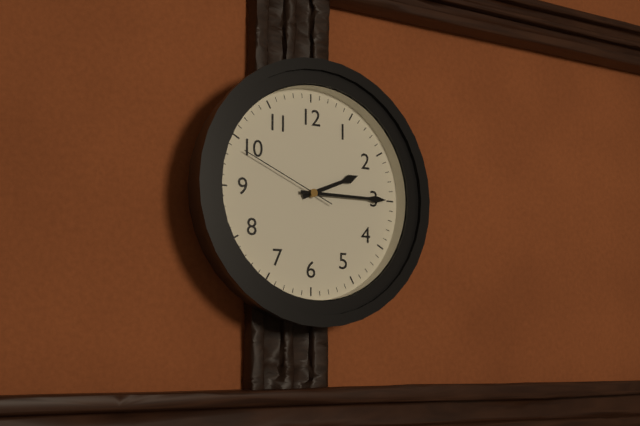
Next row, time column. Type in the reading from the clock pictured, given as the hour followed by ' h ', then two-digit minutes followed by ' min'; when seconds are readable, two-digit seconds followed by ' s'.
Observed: 2 h 15 min 49 s
